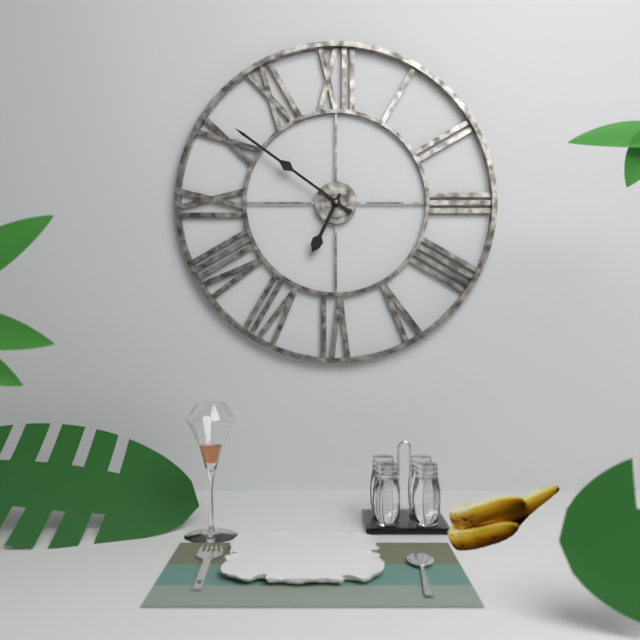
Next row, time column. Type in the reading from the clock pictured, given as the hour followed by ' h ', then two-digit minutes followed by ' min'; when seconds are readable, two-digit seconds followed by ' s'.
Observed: 6 h 51 min
